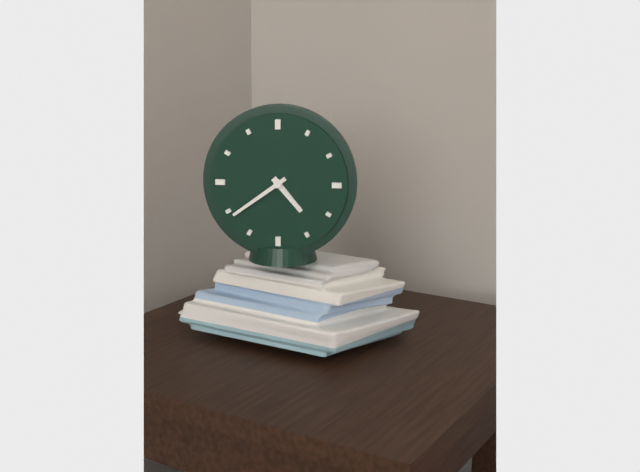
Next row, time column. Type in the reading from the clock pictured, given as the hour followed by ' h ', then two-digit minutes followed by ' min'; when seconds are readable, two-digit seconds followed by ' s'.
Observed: 4 h 39 min
